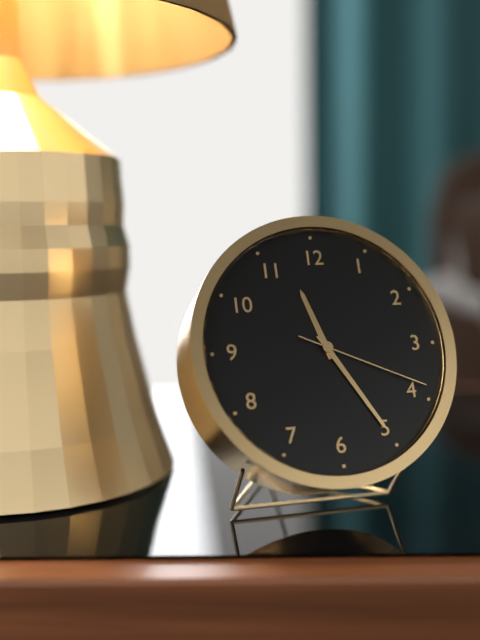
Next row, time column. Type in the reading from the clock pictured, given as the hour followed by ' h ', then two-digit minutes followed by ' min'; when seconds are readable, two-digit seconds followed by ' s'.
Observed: 11 h 25 min 19 s
